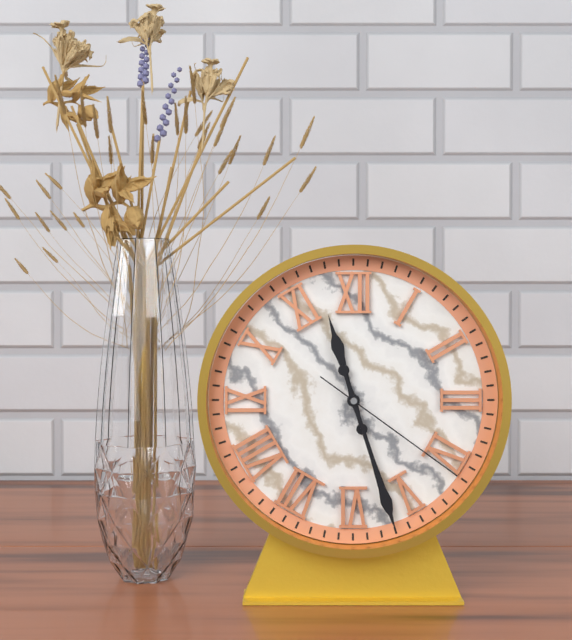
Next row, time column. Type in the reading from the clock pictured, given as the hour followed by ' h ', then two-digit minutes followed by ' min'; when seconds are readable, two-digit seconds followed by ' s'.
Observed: 11 h 27 min 21 s
